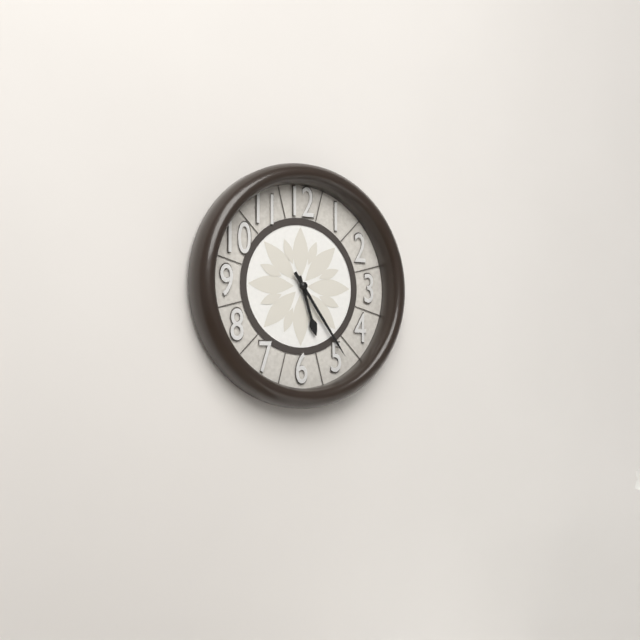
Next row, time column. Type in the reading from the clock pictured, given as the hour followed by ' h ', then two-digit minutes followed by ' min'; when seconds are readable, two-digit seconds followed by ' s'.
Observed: 5 h 24 min
